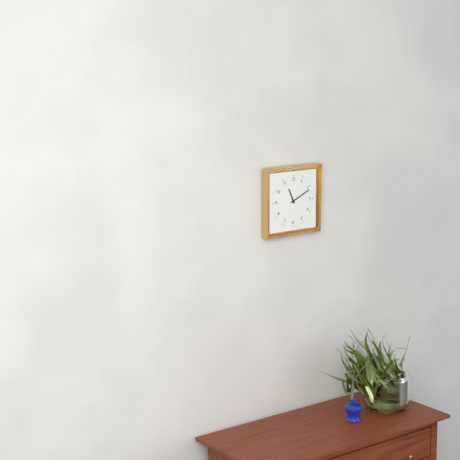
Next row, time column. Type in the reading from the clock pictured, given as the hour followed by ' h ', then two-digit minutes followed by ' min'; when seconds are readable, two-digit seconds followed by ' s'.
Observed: 11 h 11 min
